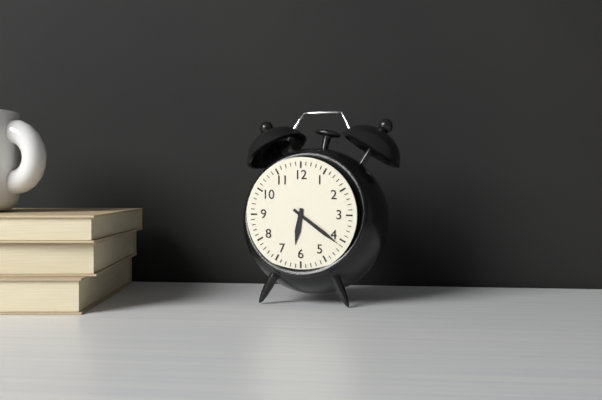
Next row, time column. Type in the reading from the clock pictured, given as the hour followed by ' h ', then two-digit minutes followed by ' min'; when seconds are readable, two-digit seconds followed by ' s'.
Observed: 6 h 21 min
